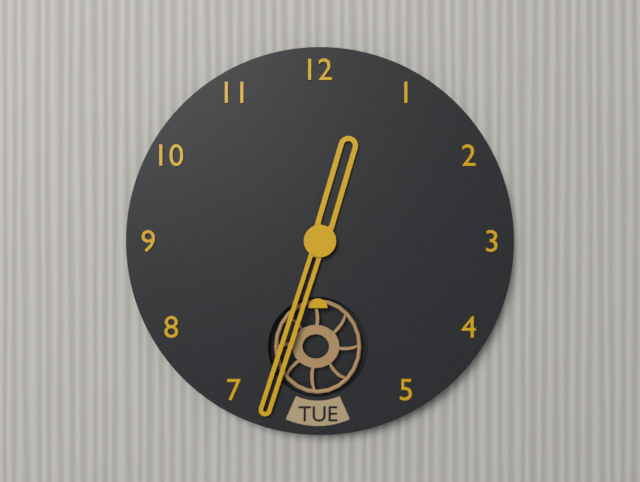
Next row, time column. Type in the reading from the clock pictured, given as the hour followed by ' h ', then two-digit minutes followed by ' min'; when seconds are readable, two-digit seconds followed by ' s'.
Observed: 12 h 33 min
